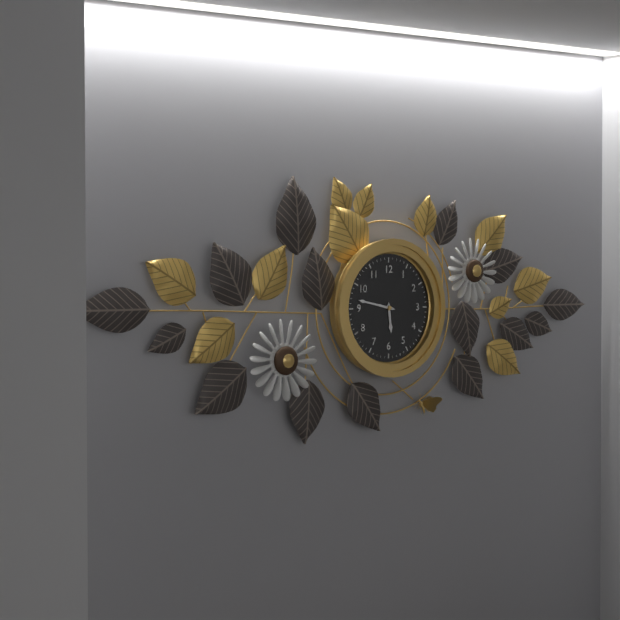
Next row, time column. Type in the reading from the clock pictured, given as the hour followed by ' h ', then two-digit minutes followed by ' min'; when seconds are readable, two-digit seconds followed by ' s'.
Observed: 5 h 47 min
